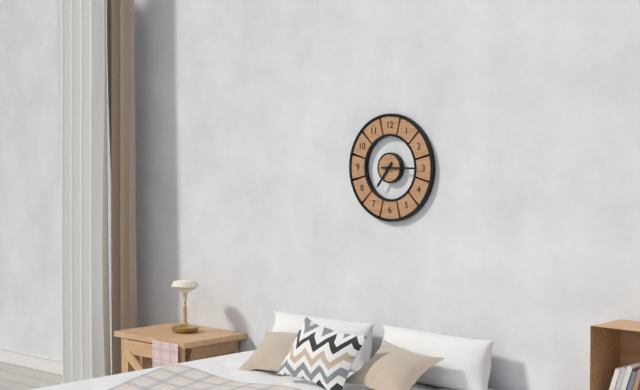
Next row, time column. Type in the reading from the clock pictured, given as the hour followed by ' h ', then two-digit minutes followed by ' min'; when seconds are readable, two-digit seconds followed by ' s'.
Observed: 7 h 15 min
